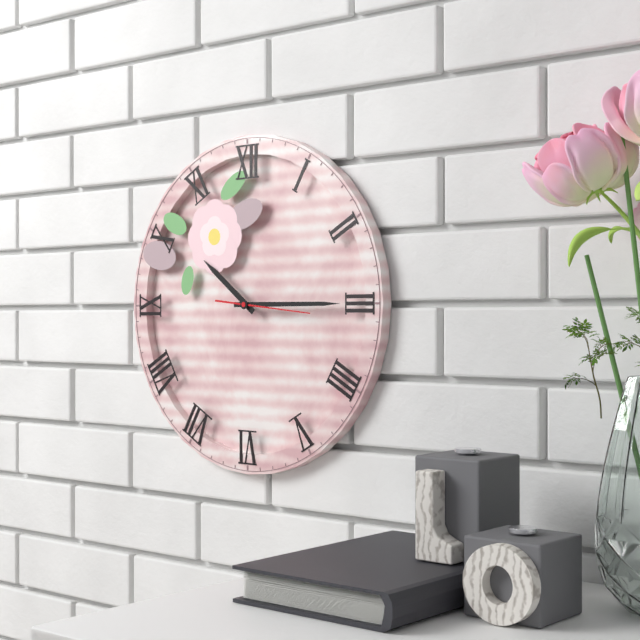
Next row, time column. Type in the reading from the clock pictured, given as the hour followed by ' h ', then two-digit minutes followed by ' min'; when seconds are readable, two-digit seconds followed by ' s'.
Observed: 10 h 15 min 16 s
